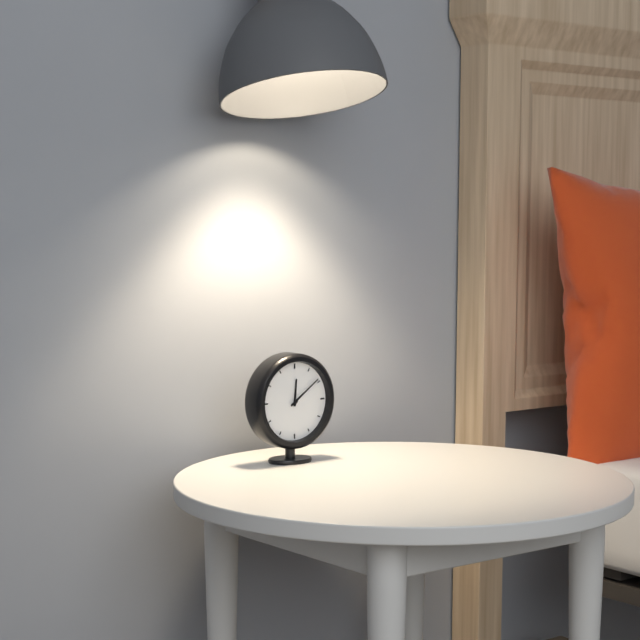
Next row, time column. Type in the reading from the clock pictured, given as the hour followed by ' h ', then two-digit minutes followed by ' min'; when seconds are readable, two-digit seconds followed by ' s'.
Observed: 12 h 09 min
